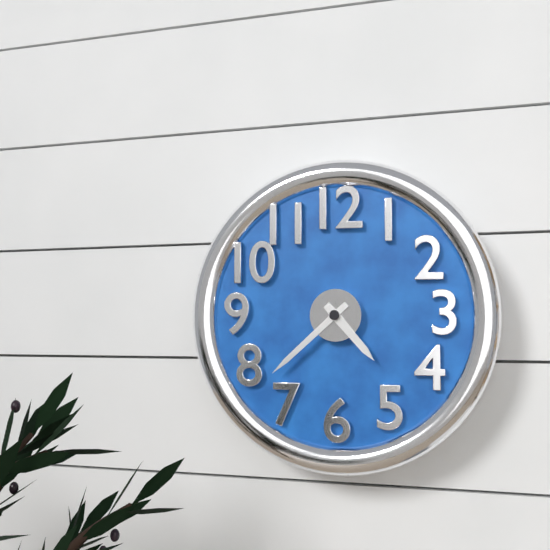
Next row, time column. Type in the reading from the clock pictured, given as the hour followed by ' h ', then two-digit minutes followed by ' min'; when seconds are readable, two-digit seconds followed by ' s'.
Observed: 4 h 38 min
